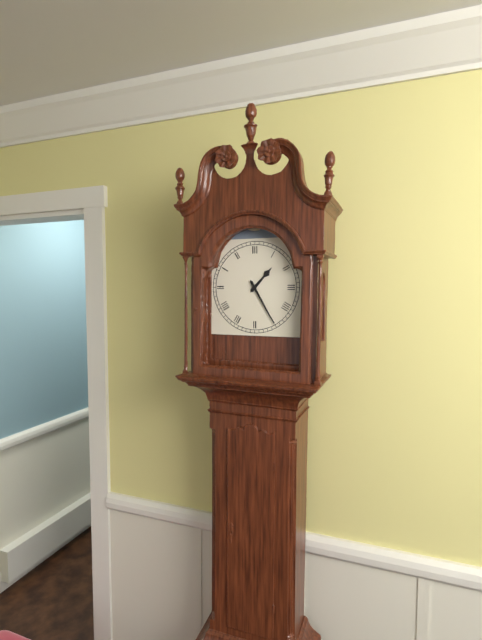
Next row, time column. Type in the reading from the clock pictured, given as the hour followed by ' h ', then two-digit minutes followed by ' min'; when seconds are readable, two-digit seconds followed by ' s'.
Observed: 1 h 25 min
